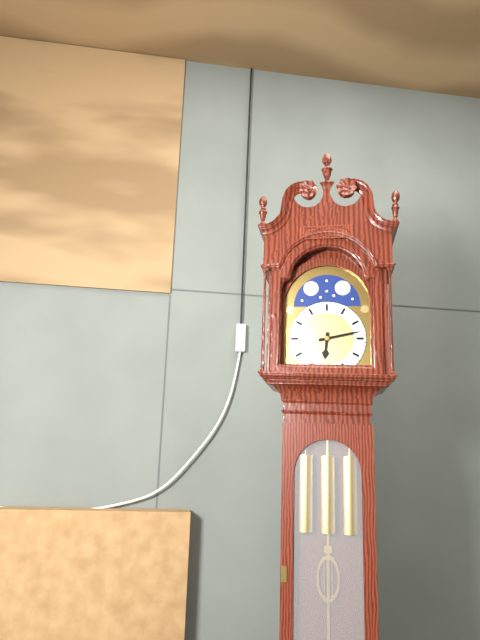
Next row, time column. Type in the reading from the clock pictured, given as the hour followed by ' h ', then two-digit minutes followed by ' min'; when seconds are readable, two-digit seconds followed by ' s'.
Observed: 6 h 13 min
